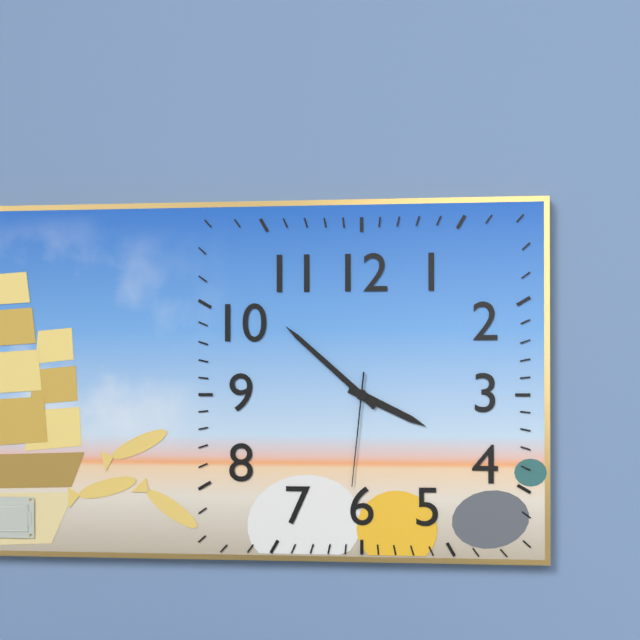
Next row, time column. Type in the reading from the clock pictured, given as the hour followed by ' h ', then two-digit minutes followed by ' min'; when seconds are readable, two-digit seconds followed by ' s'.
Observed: 3 h 52 min 31 s
